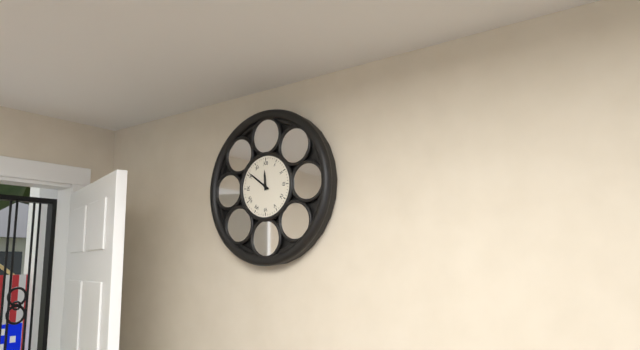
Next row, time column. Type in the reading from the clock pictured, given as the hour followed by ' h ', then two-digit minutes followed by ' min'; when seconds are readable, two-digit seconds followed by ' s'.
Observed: 11 h 51 min
